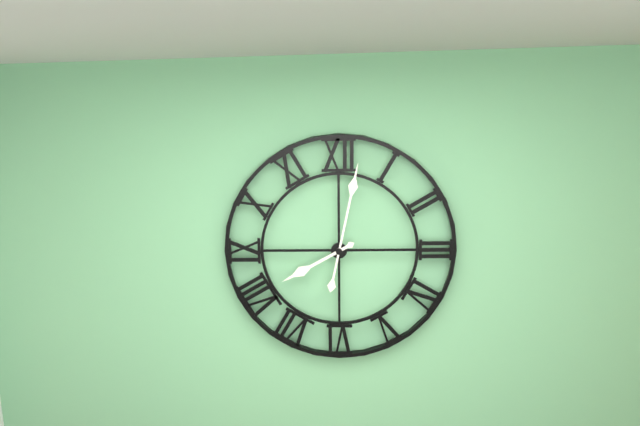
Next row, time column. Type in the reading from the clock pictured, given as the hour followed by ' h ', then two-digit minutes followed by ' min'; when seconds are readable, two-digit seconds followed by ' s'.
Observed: 8 h 02 min
